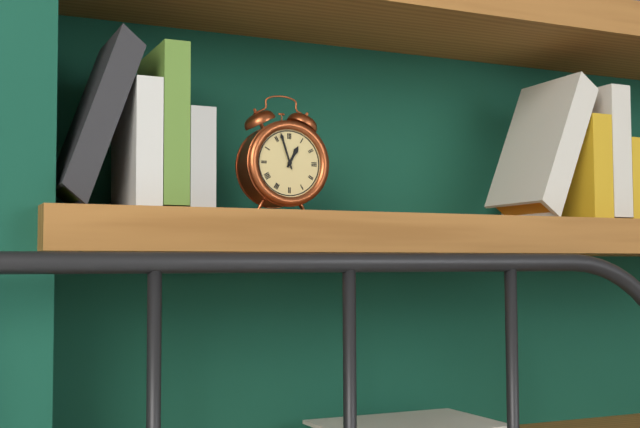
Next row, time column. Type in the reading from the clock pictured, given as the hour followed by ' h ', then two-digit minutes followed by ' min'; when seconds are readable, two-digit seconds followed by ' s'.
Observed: 12 h 57 min
